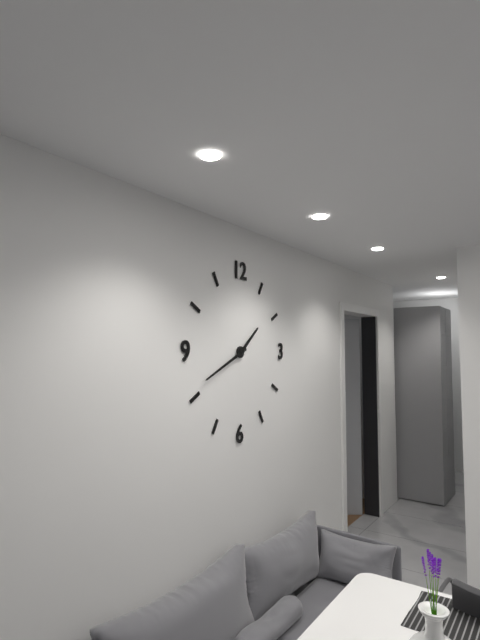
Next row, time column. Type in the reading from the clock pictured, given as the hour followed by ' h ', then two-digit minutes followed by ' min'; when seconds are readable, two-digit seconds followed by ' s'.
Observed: 1 h 41 min
